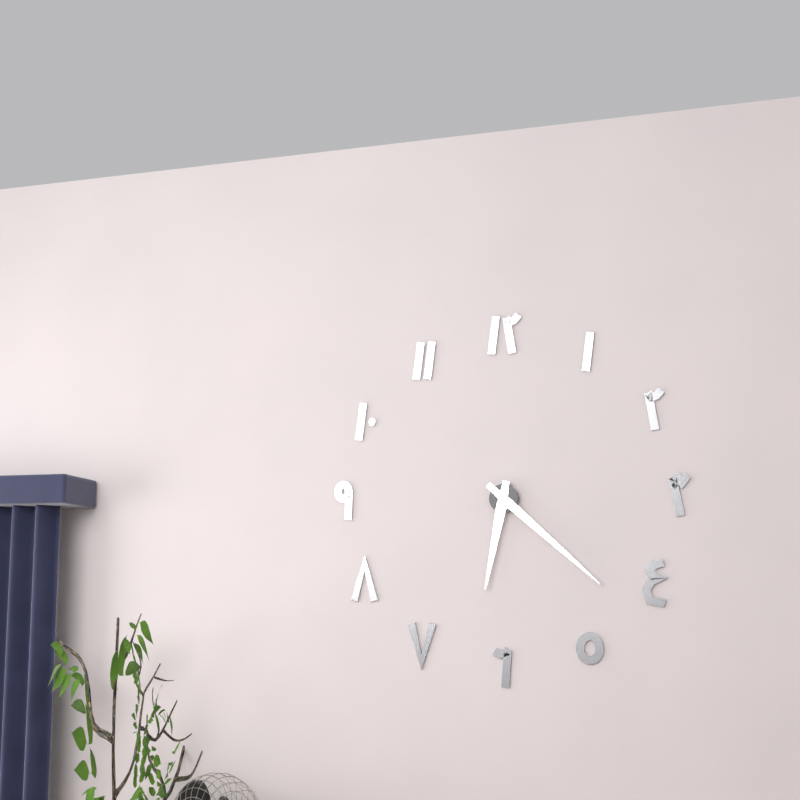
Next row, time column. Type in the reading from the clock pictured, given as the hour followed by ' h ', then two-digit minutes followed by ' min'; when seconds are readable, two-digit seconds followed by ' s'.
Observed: 6 h 22 min
